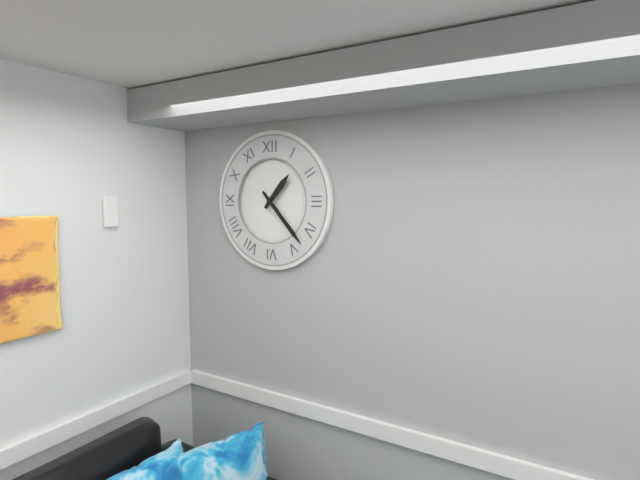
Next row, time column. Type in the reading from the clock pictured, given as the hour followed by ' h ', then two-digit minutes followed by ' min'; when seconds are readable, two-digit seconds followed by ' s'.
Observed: 1 h 23 min
